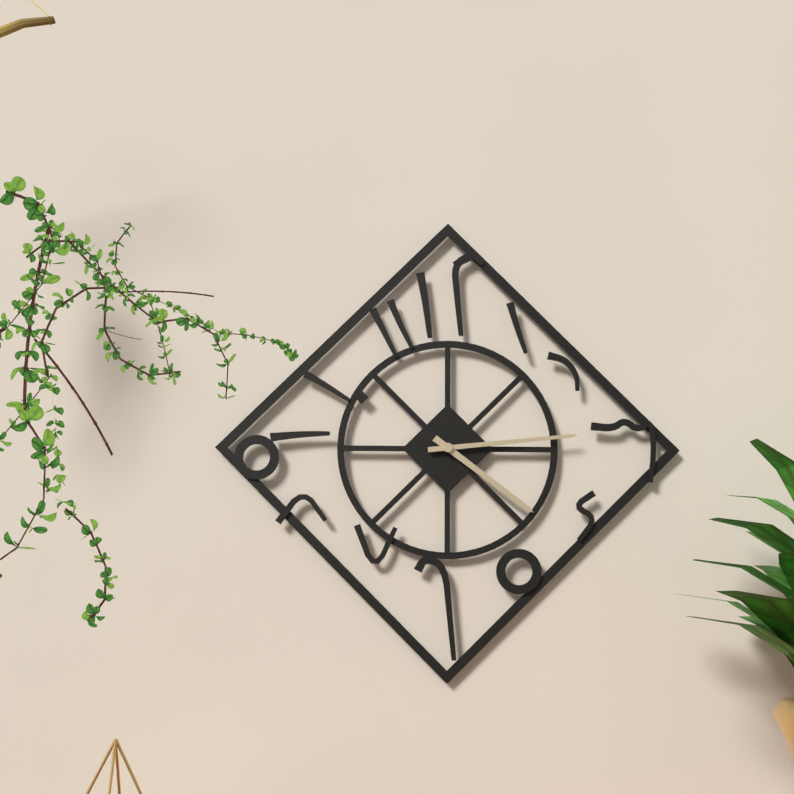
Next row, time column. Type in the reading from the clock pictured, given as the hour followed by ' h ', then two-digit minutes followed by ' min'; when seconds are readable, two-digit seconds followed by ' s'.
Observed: 4 h 14 min
